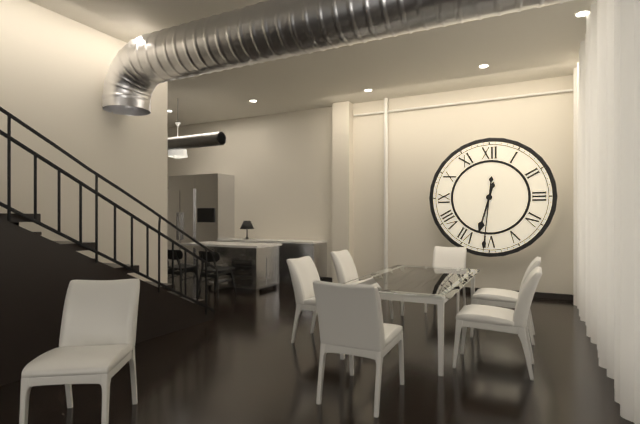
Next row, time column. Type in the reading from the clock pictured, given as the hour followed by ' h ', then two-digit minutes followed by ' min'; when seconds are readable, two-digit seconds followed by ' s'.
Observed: 6 h 31 min
